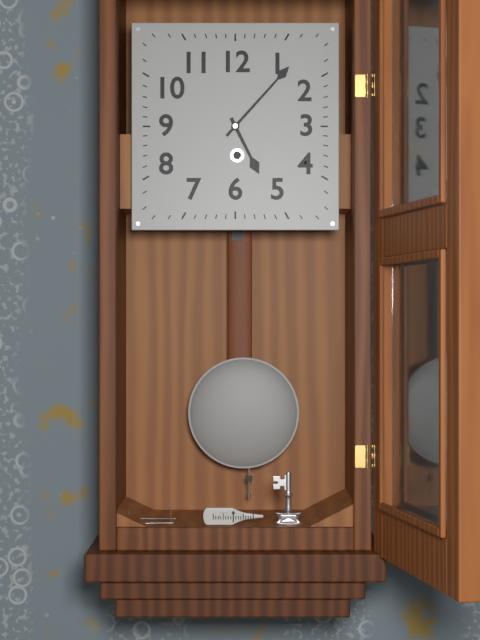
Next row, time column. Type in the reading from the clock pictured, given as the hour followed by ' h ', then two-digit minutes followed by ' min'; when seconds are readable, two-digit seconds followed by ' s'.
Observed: 5 h 07 min
